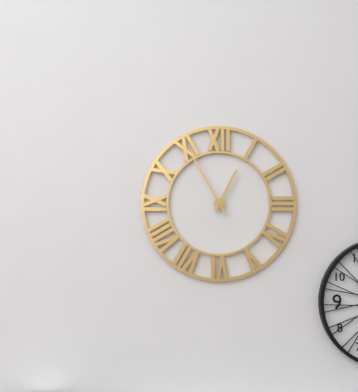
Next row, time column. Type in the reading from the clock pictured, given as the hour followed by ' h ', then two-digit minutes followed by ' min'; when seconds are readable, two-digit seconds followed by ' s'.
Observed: 12 h 55 min
